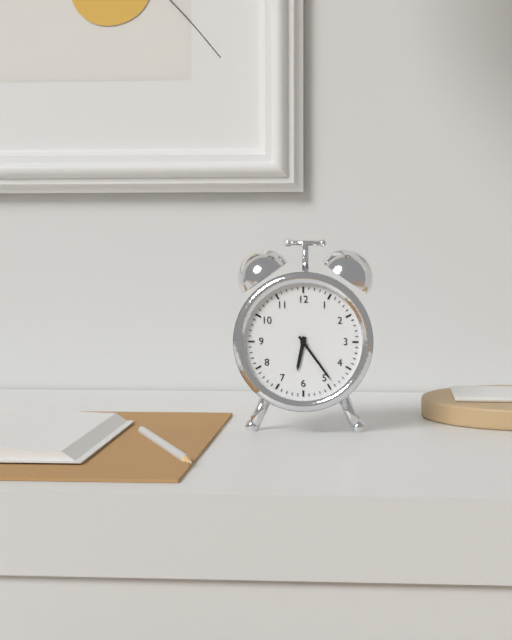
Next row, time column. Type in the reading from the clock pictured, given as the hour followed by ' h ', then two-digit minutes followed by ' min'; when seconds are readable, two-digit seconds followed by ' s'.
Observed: 6 h 24 min
